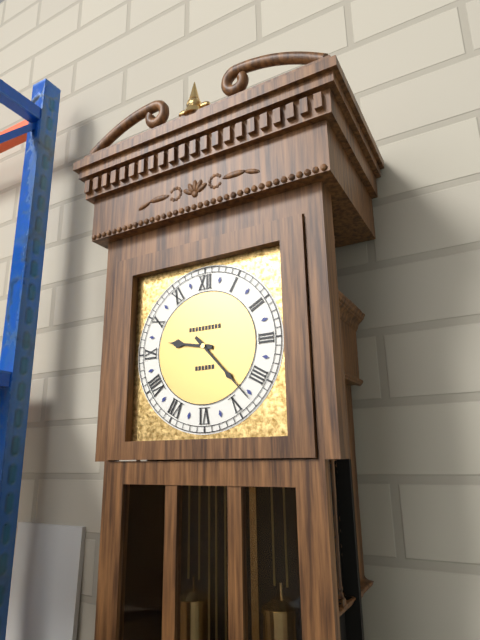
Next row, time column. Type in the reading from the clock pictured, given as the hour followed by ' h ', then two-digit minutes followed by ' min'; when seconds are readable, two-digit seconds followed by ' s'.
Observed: 9 h 23 min
